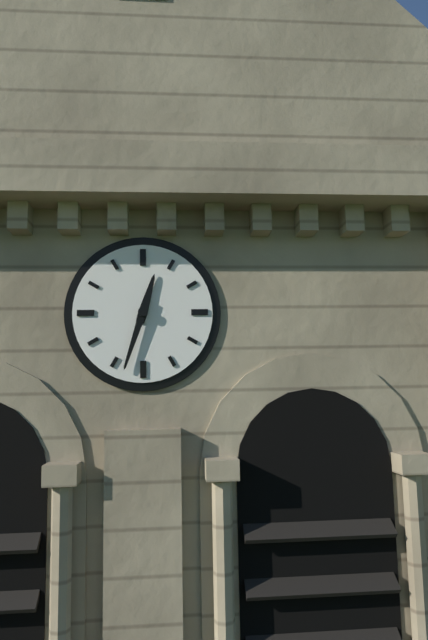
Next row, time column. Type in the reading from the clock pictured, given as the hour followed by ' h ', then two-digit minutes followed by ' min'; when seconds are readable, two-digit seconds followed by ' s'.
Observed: 12 h 33 min
